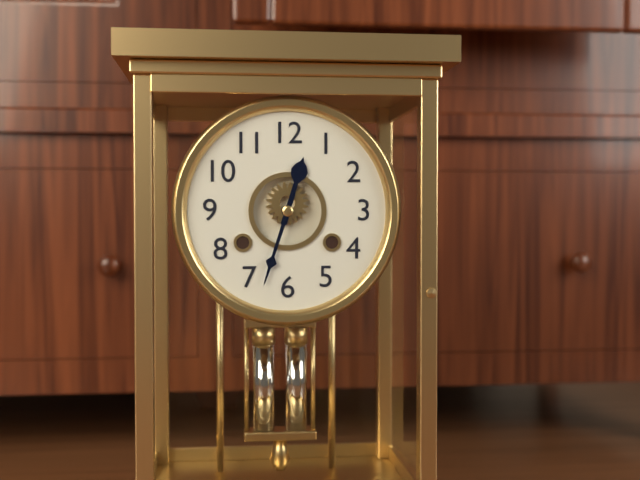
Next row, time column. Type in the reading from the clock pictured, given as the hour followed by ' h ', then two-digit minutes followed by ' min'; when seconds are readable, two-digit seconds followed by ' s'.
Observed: 12 h 33 min
